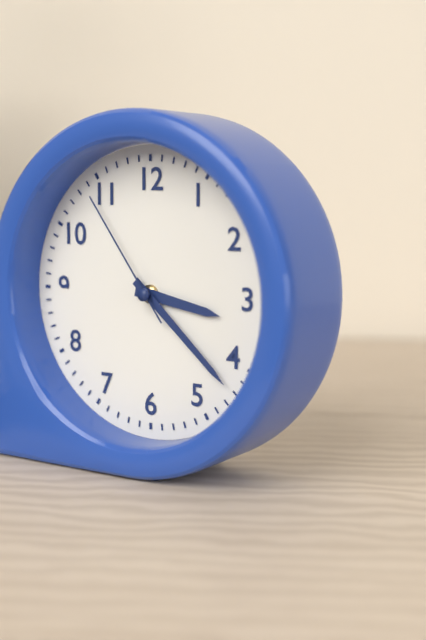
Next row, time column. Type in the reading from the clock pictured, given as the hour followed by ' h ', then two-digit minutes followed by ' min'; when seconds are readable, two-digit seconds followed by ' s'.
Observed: 3 h 22 min 54 s
